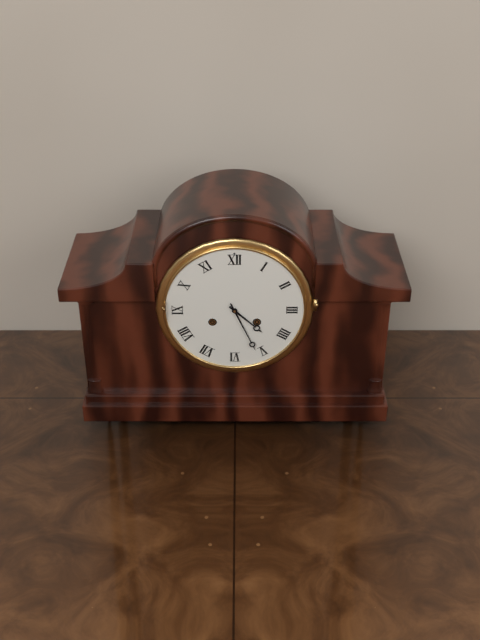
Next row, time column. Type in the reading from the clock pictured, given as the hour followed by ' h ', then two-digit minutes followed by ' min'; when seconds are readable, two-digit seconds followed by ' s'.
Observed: 4 h 26 min
